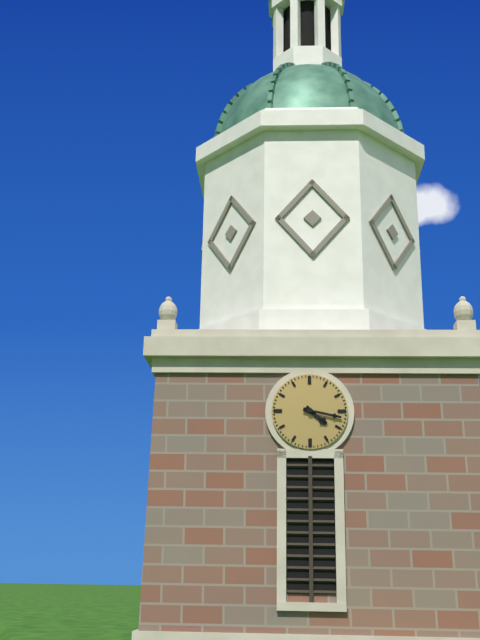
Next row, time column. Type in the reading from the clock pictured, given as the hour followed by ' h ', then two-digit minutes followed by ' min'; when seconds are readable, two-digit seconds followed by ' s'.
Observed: 4 h 17 min
